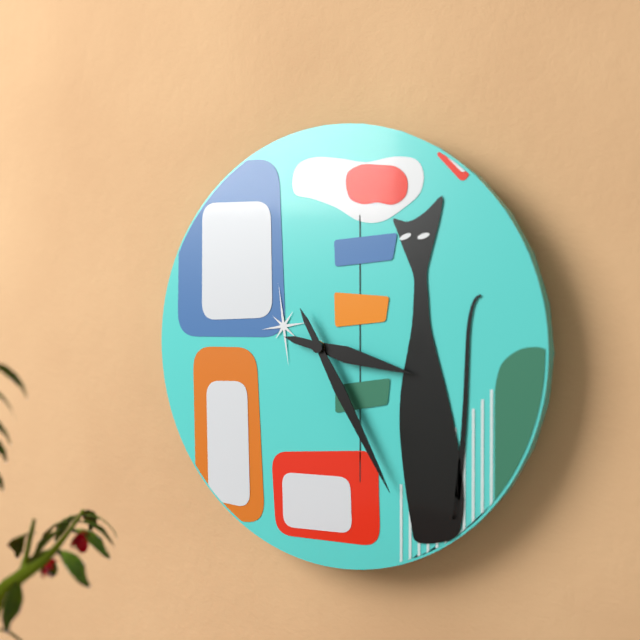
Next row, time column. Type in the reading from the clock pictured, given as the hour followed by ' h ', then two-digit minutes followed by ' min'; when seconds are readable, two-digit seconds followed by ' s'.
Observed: 3 h 25 min
